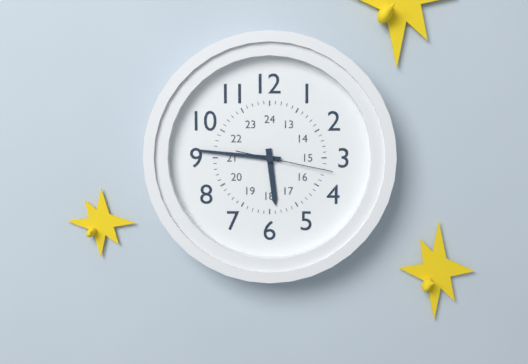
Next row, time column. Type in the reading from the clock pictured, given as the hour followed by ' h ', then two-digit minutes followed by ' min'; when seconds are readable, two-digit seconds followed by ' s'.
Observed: 5 h 46 min 17 s
